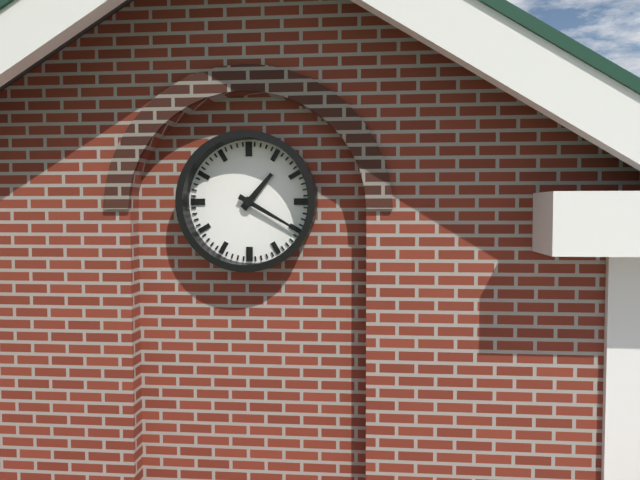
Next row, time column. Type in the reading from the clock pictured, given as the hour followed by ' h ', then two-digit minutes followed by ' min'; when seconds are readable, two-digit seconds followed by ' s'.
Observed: 1 h 20 min
